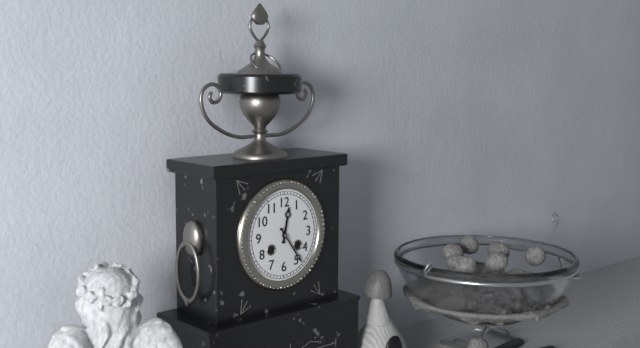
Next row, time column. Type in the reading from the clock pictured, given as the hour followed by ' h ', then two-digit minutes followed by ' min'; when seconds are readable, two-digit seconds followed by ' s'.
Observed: 12 h 24 min
